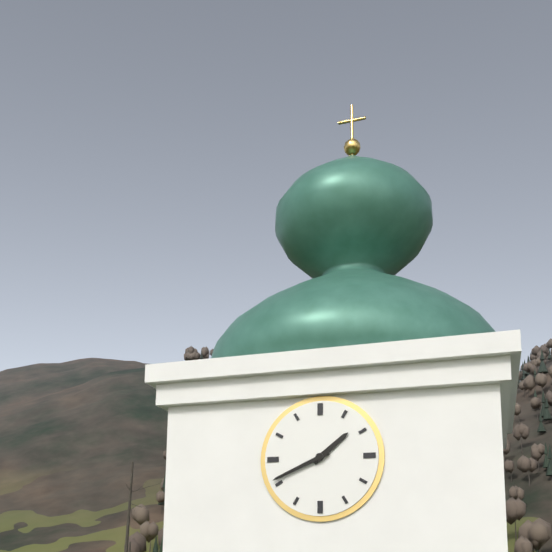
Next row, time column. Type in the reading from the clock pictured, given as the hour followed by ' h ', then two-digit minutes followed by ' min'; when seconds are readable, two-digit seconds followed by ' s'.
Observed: 1 h 41 min
